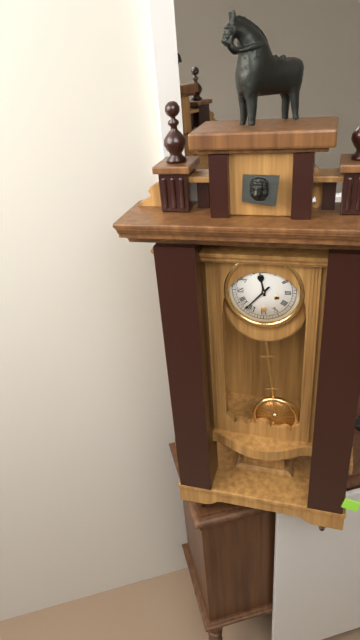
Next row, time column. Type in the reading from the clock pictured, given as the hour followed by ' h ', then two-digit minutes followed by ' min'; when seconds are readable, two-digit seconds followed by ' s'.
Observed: 11 h 37 min
